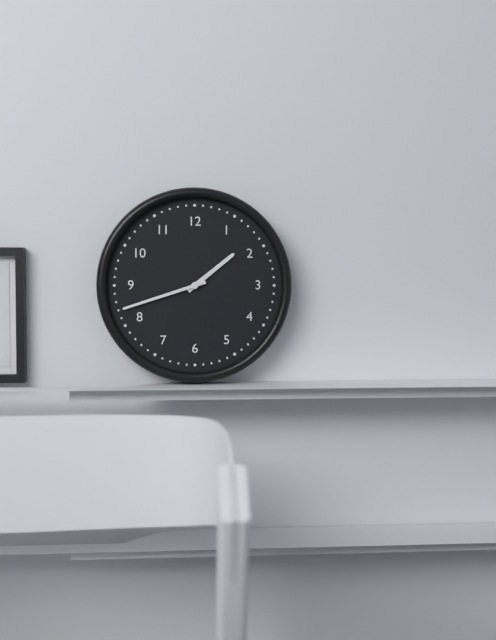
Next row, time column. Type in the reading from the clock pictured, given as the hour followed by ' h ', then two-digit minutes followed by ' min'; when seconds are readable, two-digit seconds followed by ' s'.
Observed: 1 h 42 min
